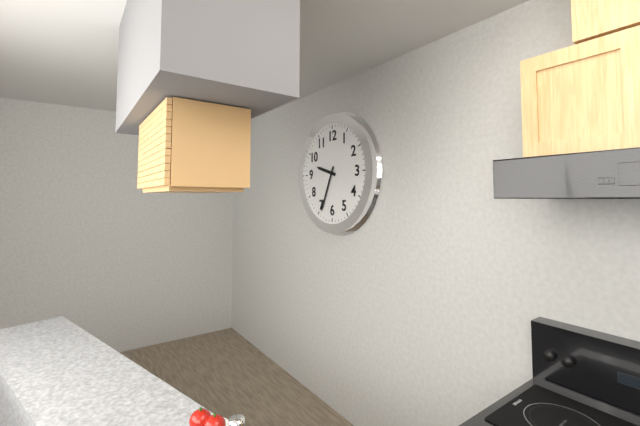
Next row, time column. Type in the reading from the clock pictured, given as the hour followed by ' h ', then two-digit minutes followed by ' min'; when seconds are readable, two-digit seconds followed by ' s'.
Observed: 9 h 34 min
